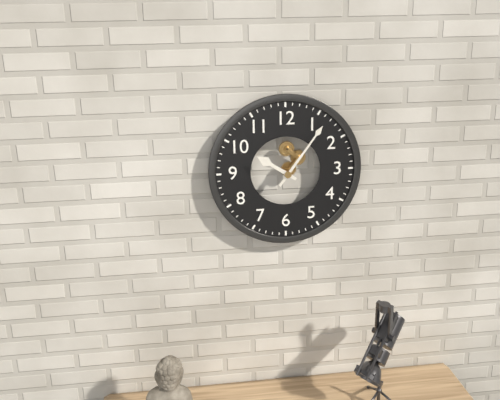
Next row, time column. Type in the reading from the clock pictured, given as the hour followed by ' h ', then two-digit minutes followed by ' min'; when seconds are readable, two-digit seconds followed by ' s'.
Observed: 10 h 06 min
